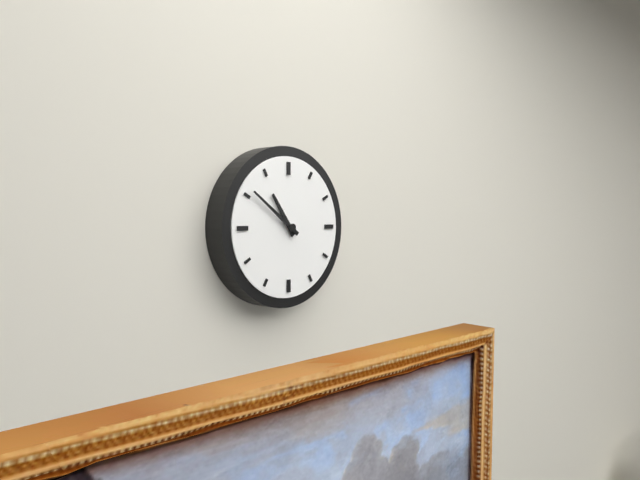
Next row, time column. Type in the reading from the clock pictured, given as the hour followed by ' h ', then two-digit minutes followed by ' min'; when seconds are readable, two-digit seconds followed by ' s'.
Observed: 10 h 51 min
